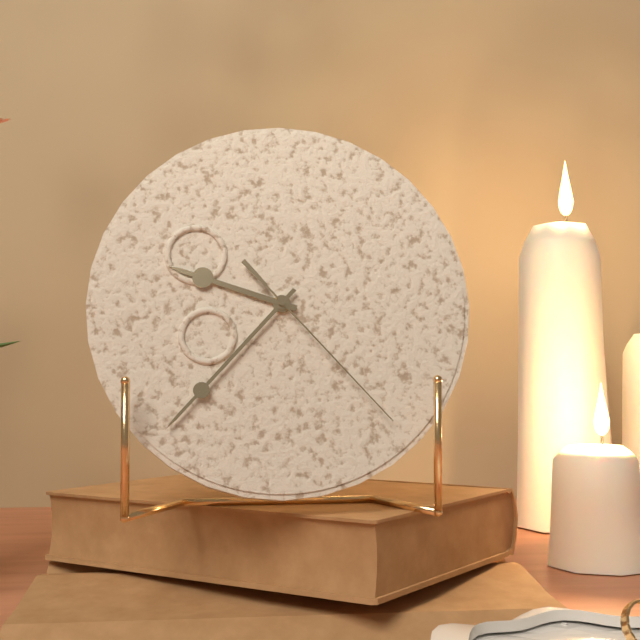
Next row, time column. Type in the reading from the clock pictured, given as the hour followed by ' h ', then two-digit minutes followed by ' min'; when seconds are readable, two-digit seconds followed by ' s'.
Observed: 9 h 37 min 23 s
